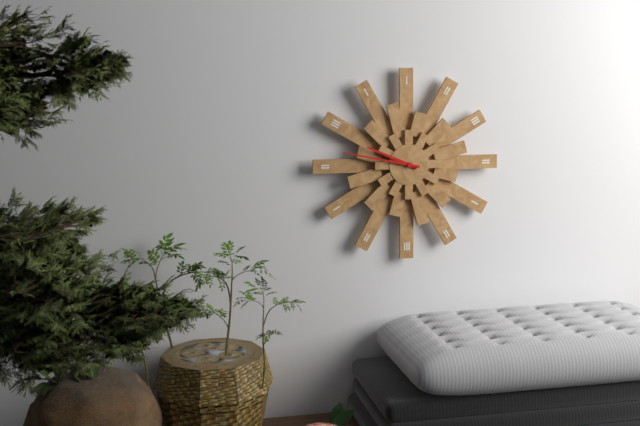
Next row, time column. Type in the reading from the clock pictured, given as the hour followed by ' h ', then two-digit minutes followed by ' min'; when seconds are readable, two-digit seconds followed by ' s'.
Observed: 9 h 47 min
